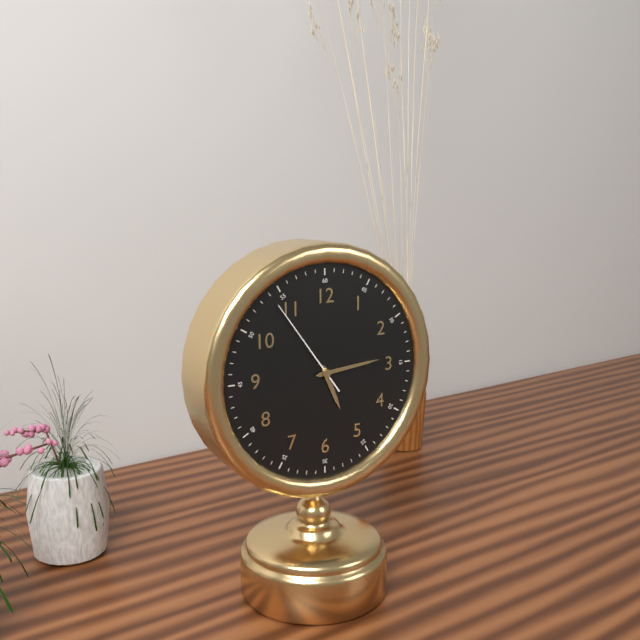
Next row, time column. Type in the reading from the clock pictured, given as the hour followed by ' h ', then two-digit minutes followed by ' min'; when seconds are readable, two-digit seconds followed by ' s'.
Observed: 5 h 14 min 54 s
